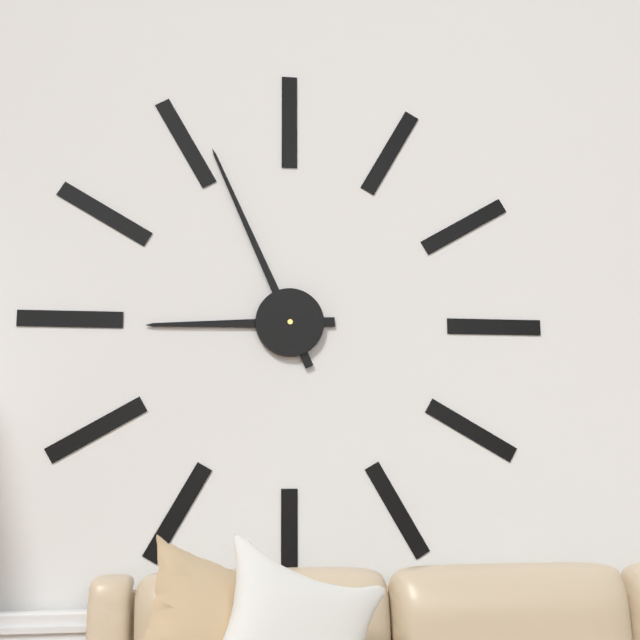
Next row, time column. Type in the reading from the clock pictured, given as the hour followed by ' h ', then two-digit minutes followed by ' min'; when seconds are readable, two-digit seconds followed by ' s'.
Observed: 8 h 56 min
